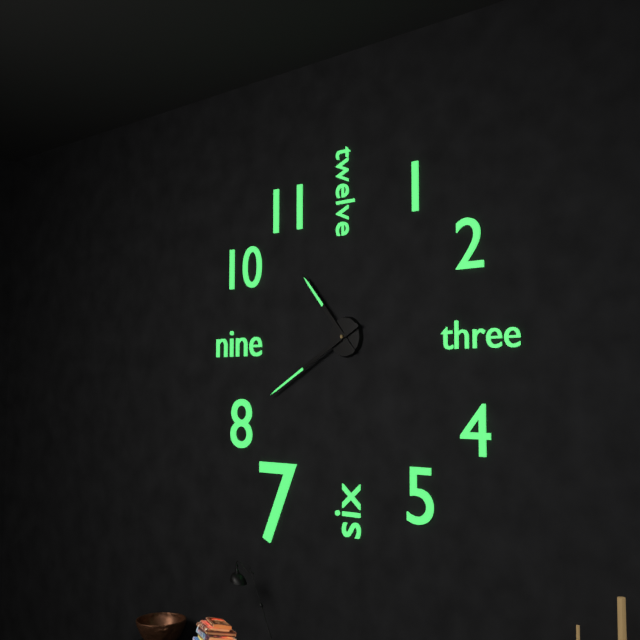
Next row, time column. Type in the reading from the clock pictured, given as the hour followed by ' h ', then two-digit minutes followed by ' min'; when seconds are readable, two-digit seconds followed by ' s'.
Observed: 10 h 40 min
